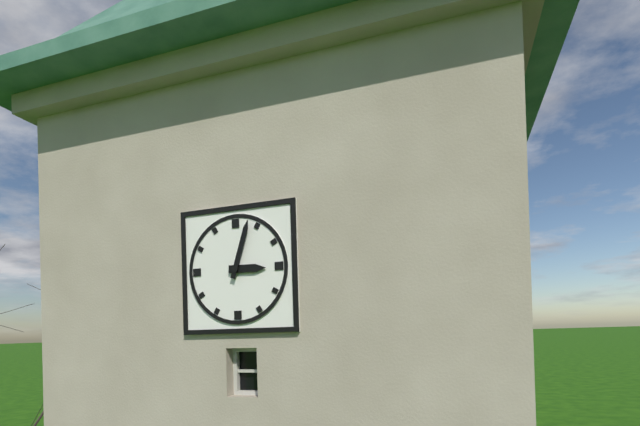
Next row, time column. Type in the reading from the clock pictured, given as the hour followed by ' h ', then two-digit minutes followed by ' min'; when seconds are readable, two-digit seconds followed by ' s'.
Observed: 3 h 03 min
